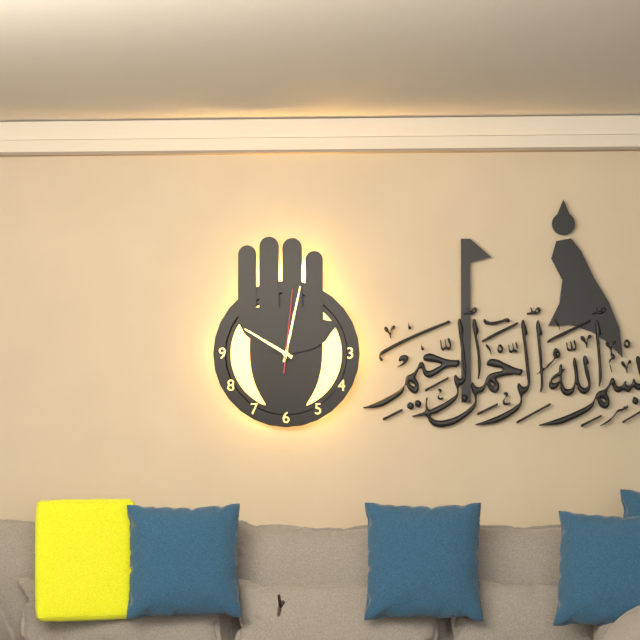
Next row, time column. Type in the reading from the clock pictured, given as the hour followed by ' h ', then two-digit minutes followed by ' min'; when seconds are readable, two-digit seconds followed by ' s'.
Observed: 10 h 02 min 01 s
